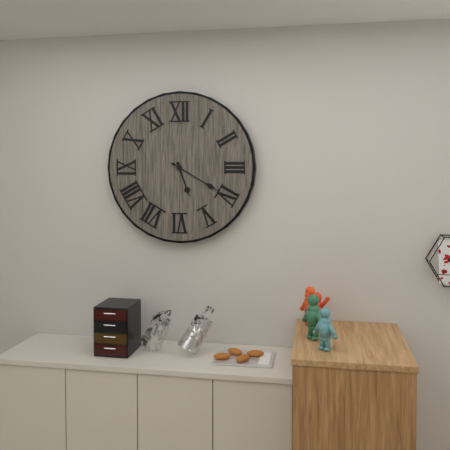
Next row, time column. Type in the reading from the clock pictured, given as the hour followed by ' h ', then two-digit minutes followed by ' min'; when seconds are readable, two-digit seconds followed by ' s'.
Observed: 5 h 20 min
